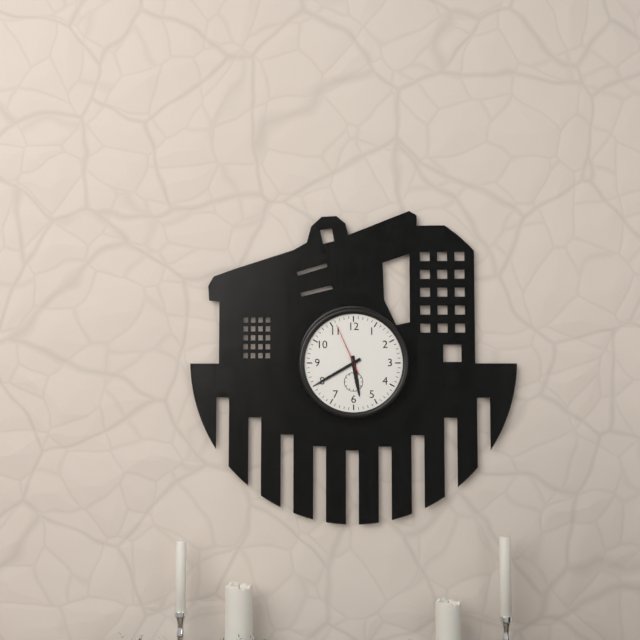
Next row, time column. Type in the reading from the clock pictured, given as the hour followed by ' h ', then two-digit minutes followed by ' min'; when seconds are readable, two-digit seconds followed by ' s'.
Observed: 5 h 40 min 56 s
